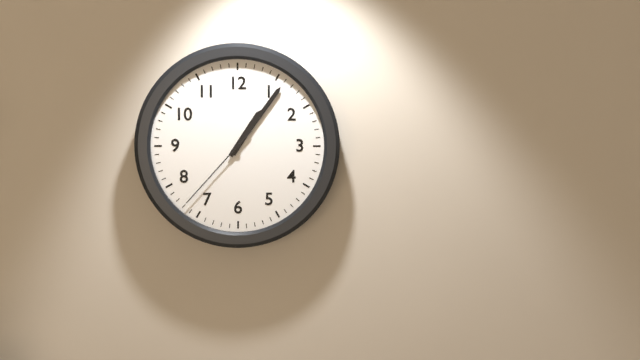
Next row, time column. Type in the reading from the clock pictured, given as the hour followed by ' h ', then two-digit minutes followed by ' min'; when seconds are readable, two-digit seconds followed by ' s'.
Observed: 1 h 06 min 37 s
